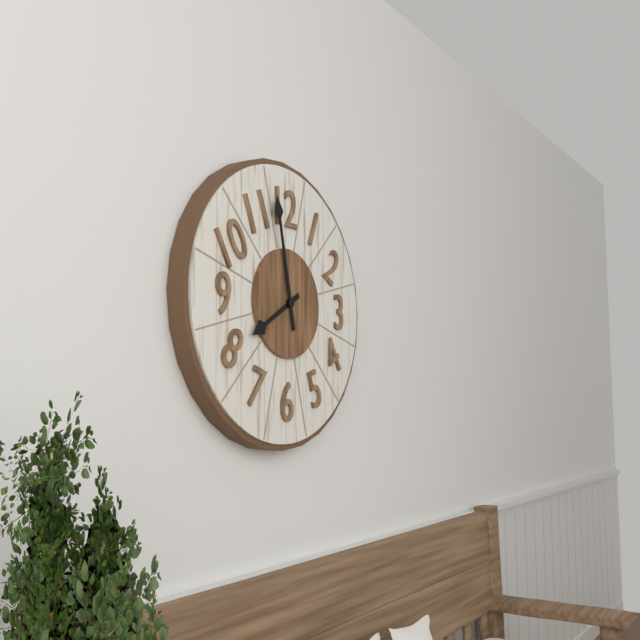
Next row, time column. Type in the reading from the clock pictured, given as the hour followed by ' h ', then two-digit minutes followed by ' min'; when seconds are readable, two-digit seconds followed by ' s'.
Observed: 7 h 58 min
